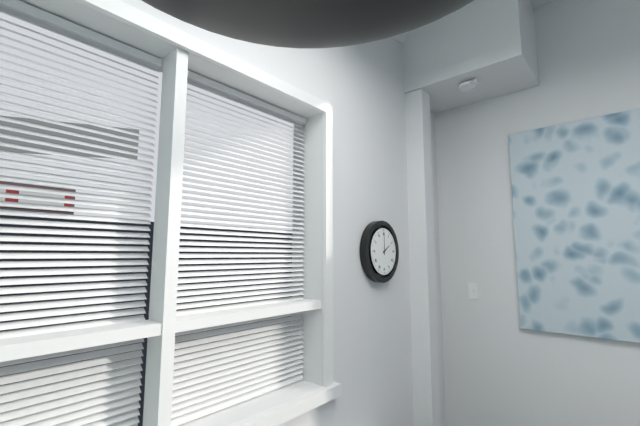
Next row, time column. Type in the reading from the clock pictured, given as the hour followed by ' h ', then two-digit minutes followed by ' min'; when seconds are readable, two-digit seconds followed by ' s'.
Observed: 2 h 00 min
